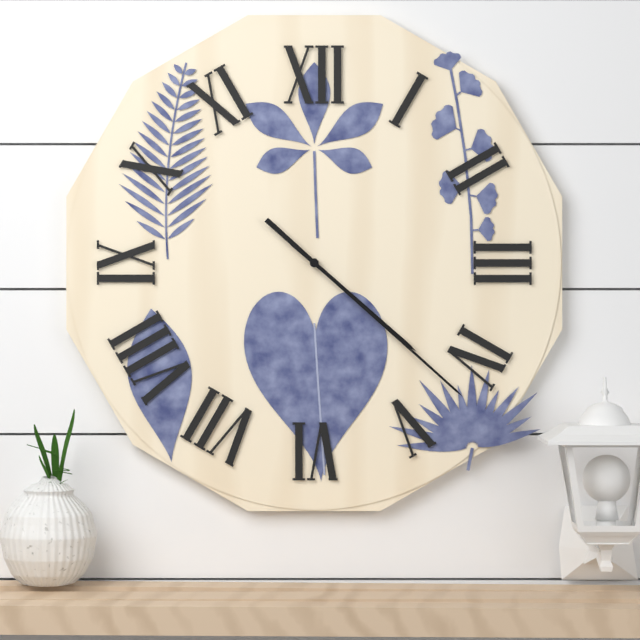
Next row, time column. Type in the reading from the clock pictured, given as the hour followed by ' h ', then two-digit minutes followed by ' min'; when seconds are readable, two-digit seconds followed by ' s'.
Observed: 4 h 22 min
